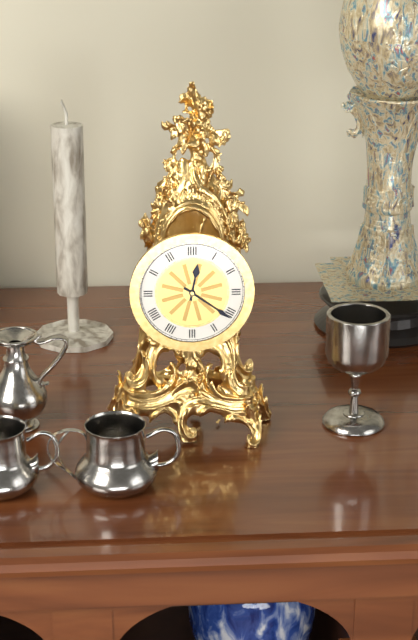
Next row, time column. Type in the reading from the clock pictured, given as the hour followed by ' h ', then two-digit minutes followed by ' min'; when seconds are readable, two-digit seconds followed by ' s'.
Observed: 12 h 21 min
